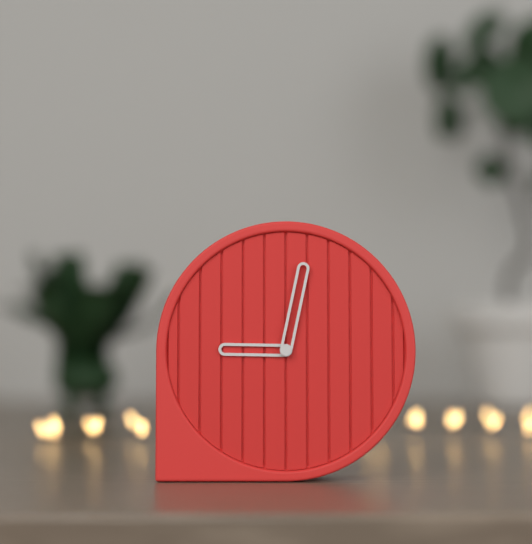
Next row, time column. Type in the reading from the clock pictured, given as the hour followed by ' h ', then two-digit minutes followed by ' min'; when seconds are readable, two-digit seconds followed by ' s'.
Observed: 9 h 02 min
